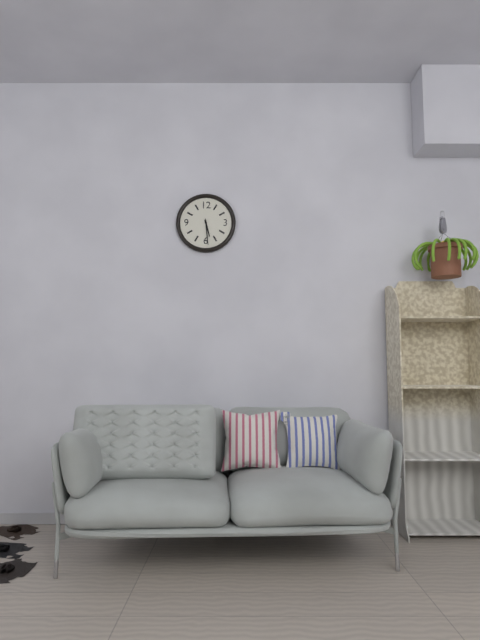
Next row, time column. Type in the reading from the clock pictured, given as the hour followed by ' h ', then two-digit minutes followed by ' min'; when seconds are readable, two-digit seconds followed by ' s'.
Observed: 5 h 29 min
